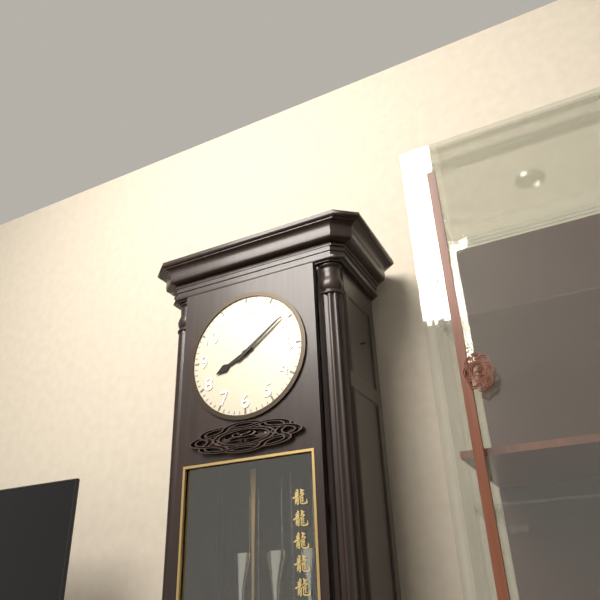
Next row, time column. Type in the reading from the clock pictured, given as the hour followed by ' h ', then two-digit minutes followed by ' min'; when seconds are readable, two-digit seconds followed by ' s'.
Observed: 8 h 09 min
